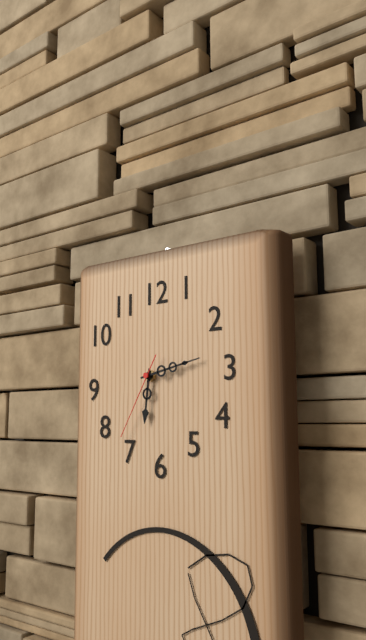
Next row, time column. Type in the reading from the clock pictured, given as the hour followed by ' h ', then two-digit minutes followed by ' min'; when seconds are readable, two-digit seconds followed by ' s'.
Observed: 6 h 13 min 35 s
